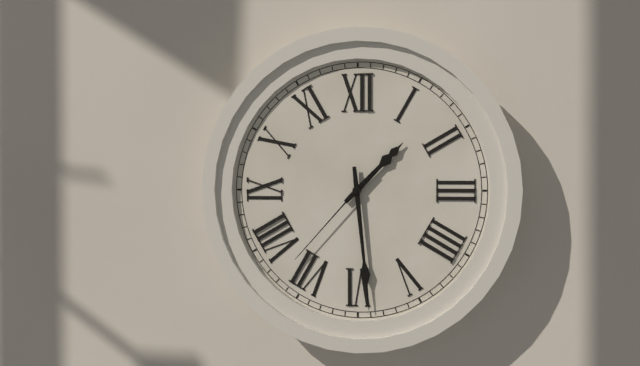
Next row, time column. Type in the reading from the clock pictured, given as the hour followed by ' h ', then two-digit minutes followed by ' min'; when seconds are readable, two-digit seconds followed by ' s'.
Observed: 1 h 29 min 37 s
